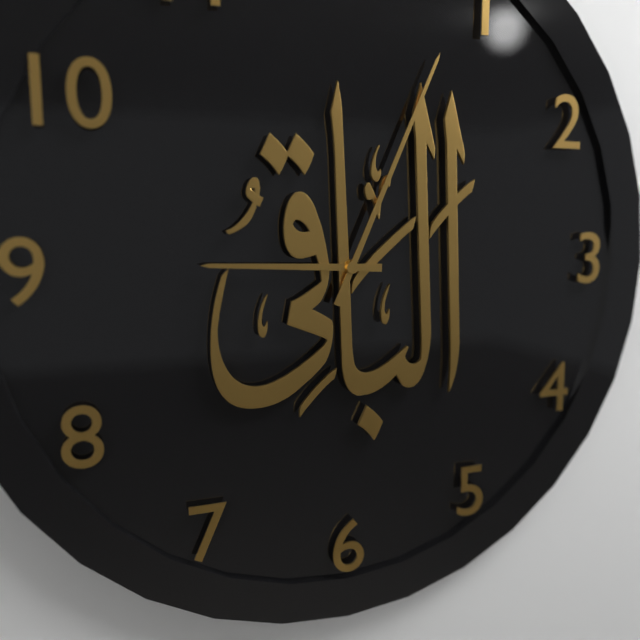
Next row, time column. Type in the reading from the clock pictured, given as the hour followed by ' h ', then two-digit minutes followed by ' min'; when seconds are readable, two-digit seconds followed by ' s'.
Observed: 9 h 04 min
